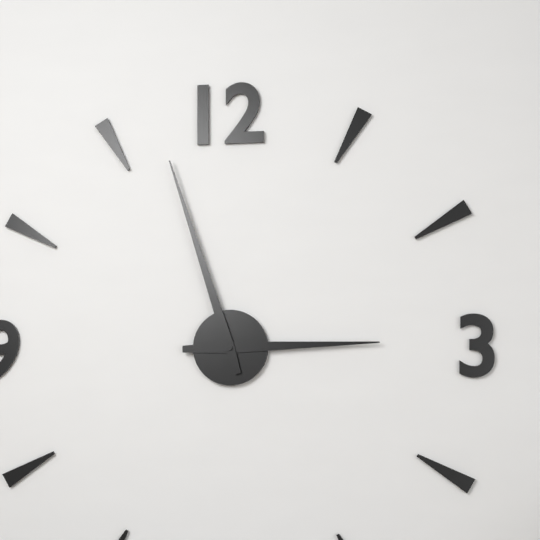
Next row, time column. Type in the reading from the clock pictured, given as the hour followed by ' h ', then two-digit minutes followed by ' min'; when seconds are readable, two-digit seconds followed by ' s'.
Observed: 2 h 57 min
